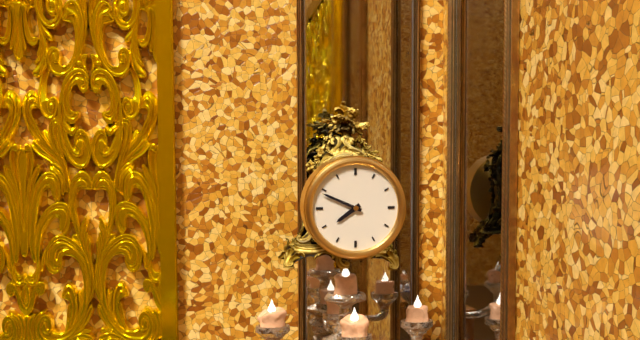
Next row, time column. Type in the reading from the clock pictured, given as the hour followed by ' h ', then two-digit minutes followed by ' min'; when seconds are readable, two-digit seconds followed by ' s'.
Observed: 7 h 49 min
